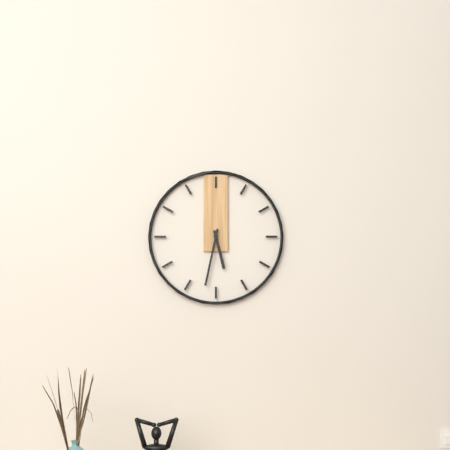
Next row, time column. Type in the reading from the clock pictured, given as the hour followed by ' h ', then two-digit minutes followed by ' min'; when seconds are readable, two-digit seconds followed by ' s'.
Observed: 5 h 32 min
